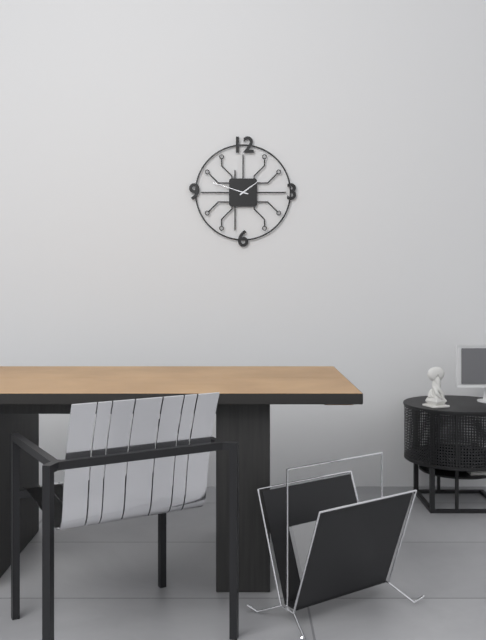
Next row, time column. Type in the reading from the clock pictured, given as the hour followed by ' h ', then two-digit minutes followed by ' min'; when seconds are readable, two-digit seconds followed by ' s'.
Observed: 1 h 48 min
